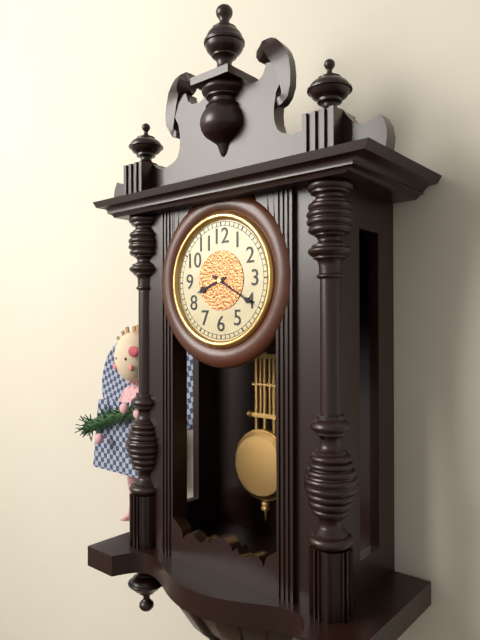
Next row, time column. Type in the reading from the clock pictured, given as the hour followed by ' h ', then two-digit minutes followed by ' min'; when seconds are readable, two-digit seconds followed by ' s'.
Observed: 8 h 20 min
